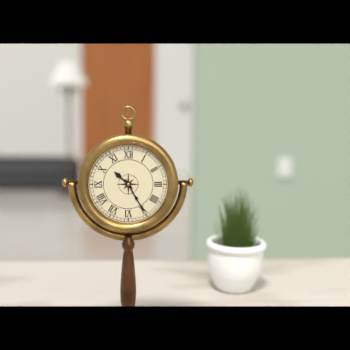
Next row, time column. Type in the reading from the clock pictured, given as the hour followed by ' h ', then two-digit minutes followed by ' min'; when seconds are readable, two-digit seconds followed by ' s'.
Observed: 10 h 25 min
